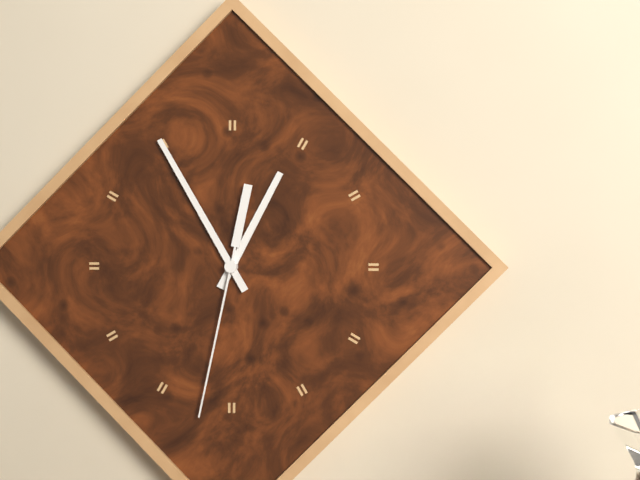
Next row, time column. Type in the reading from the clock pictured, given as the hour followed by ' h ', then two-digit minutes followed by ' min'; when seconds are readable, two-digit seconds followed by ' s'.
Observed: 12 h 55 min 32 s
